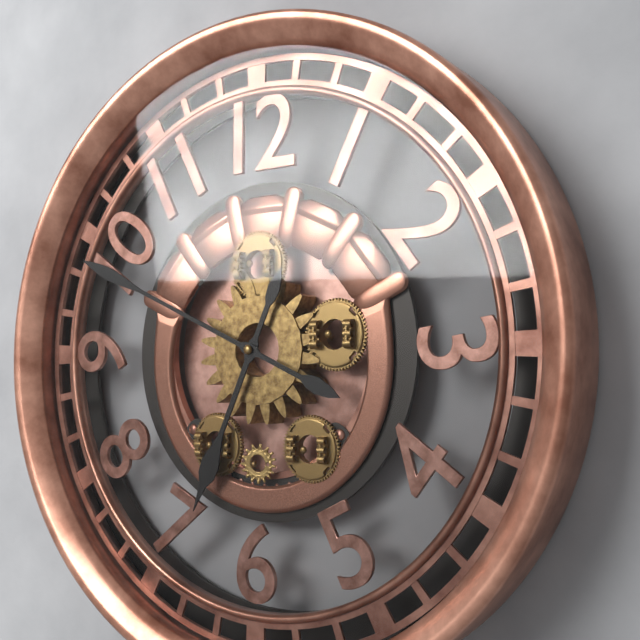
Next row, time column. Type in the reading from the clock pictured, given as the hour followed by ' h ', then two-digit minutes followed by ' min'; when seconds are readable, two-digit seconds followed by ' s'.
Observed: 6 h 49 min
